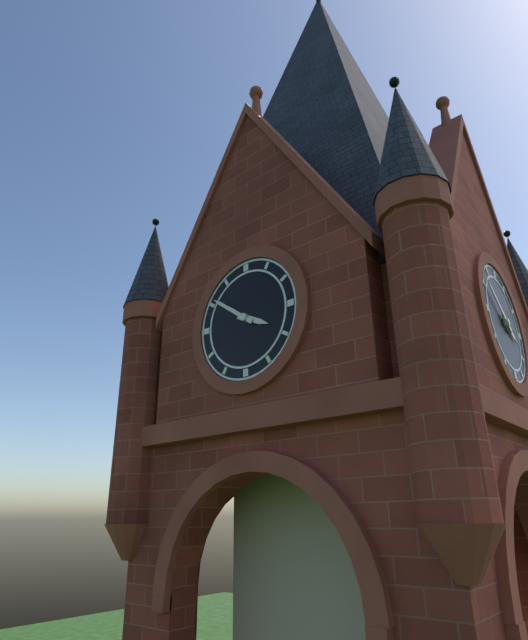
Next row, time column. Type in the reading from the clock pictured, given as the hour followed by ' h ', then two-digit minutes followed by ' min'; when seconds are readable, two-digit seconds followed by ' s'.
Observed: 3 h 51 min
